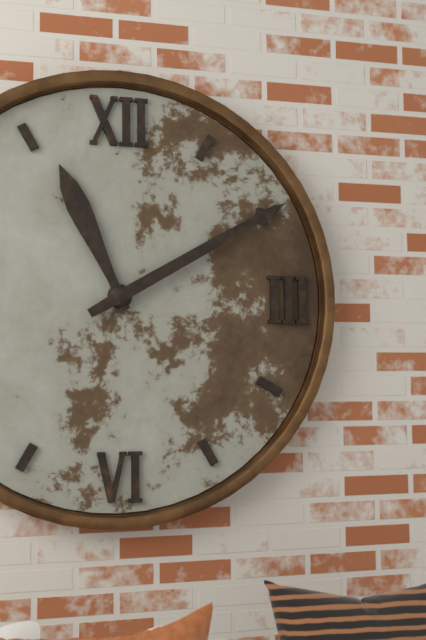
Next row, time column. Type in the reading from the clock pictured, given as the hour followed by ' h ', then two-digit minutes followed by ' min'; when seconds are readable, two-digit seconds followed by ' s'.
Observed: 11 h 10 min
